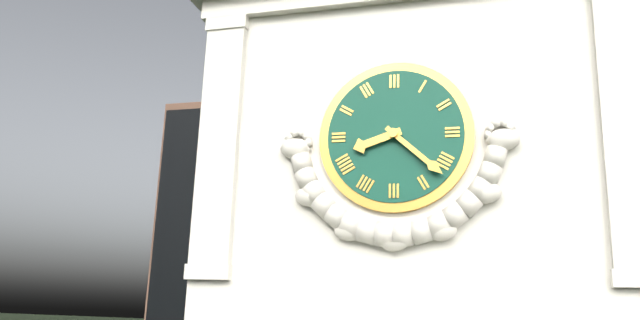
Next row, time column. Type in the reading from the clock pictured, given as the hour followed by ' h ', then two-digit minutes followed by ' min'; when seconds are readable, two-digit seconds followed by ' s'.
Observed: 8 h 22 min
